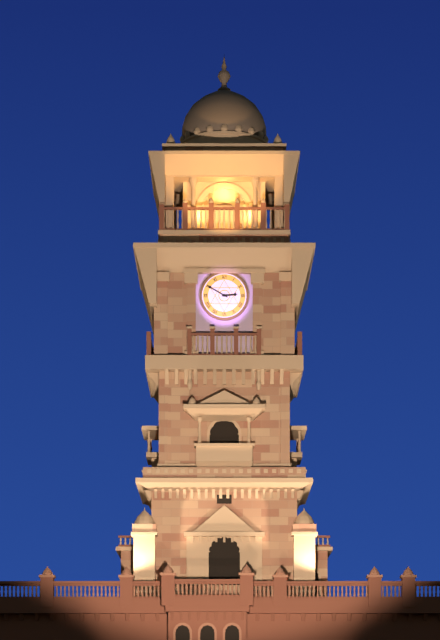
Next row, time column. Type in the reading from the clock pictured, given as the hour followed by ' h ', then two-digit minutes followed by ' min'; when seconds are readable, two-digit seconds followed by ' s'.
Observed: 2 h 50 min
